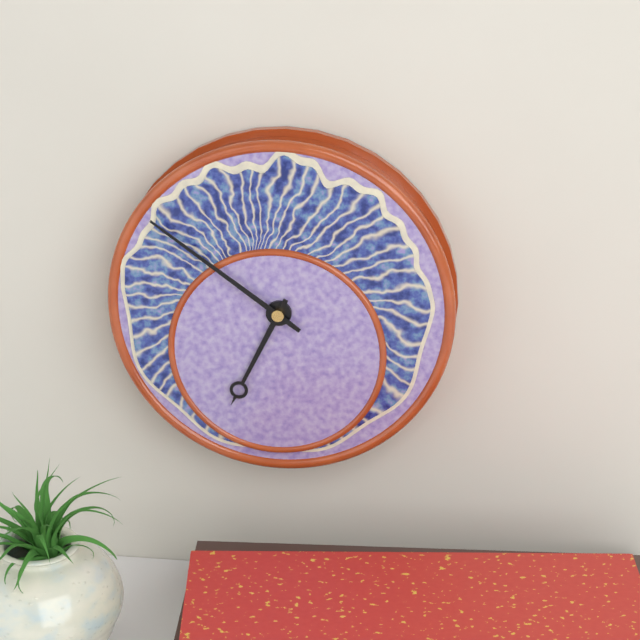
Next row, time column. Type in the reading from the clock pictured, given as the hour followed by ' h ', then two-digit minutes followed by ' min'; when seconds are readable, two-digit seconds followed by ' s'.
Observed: 6 h 51 min
